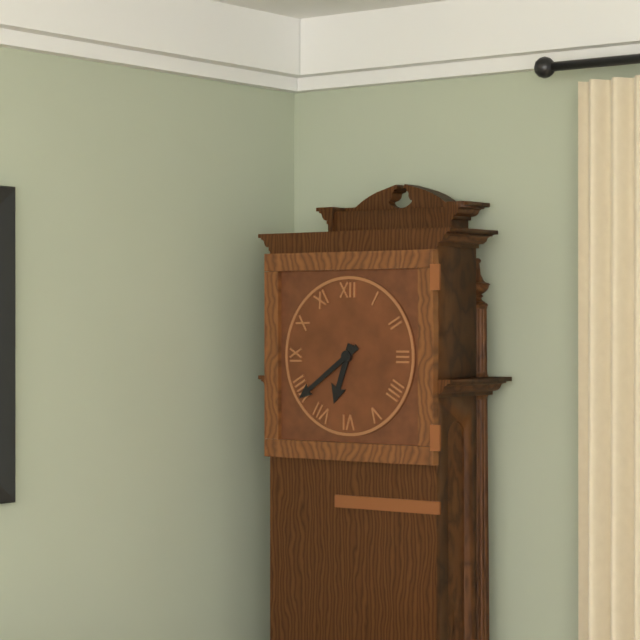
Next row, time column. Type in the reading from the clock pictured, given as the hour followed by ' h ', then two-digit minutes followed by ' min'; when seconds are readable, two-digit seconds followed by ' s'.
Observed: 6 h 39 min
